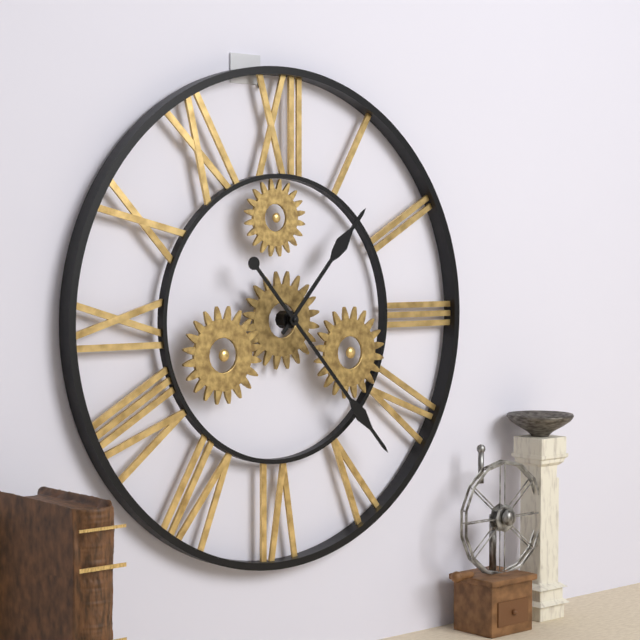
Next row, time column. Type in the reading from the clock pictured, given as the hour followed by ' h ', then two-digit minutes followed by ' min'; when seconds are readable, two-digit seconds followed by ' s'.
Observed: 1 h 23 min
